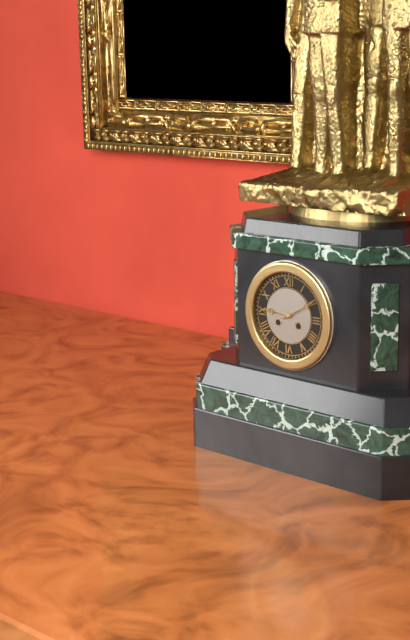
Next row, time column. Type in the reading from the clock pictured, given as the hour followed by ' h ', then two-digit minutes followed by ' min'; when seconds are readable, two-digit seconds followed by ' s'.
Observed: 9 h 10 min
